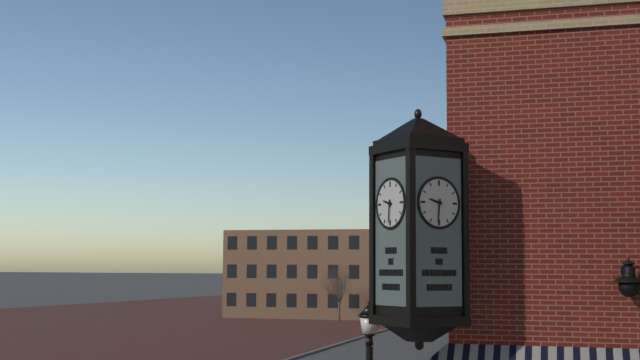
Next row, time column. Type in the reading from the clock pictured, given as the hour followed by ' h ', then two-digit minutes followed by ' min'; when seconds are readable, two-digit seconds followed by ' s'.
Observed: 9 h 31 min
